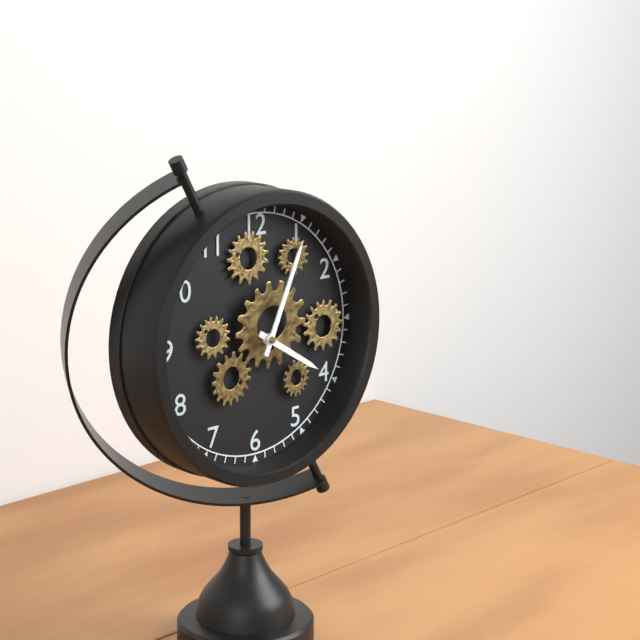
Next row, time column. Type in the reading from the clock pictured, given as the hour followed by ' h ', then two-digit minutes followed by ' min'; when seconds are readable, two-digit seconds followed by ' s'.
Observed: 4 h 04 min
